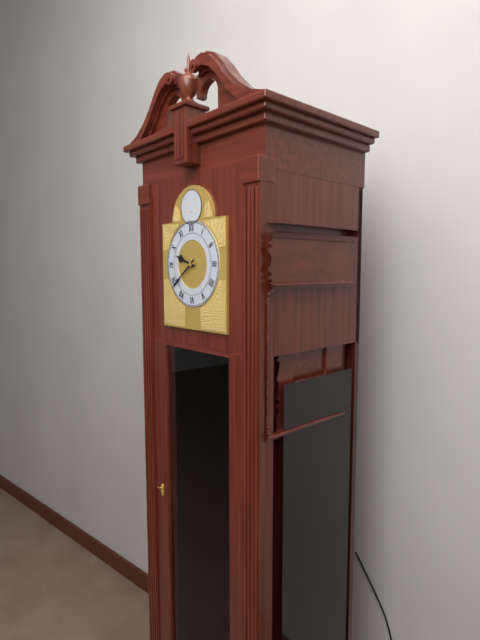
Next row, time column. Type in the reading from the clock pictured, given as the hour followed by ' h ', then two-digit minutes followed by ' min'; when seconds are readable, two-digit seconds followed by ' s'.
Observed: 9 h 39 min
